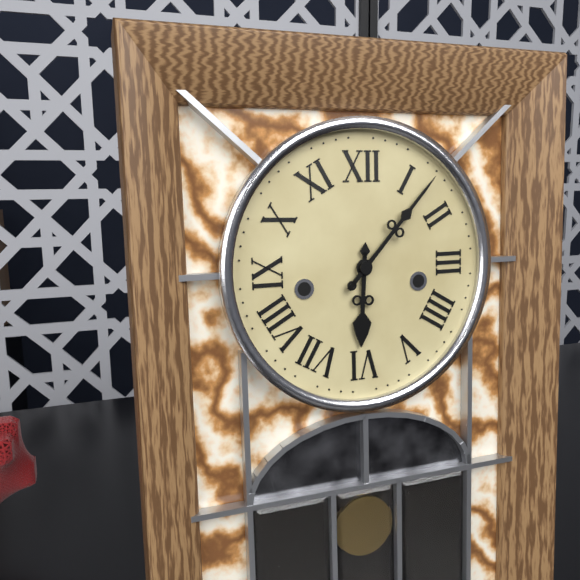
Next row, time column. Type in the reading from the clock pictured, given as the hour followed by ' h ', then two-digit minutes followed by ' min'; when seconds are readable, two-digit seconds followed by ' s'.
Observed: 6 h 07 min
